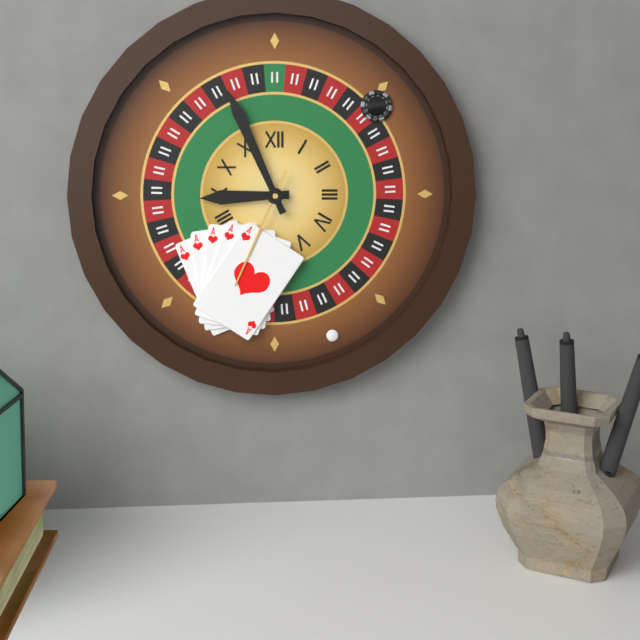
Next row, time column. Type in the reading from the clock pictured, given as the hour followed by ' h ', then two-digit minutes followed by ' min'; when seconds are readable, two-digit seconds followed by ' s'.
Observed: 8 h 56 min 34 s
